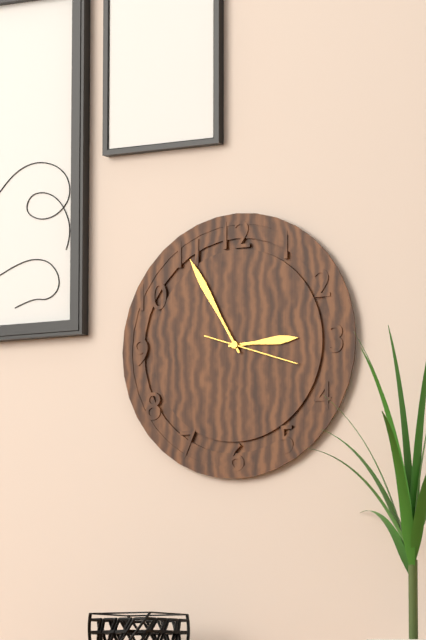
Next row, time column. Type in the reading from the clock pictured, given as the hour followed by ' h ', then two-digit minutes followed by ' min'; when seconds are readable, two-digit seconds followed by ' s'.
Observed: 2 h 55 min 18 s
